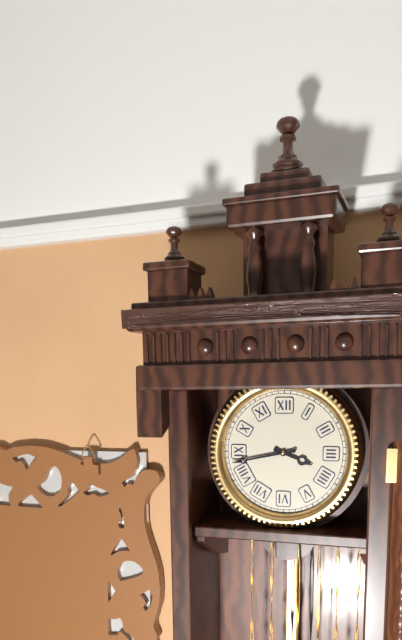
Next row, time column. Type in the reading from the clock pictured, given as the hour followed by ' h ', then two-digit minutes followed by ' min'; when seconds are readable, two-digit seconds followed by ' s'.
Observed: 3 h 43 min
